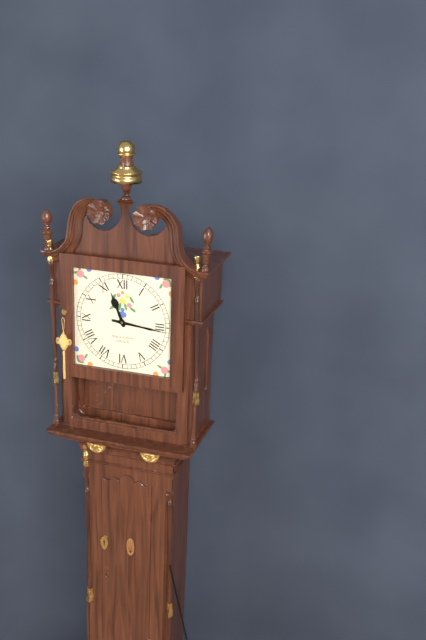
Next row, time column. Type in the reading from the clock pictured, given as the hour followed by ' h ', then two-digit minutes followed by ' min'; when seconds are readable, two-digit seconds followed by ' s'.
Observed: 11 h 16 min
